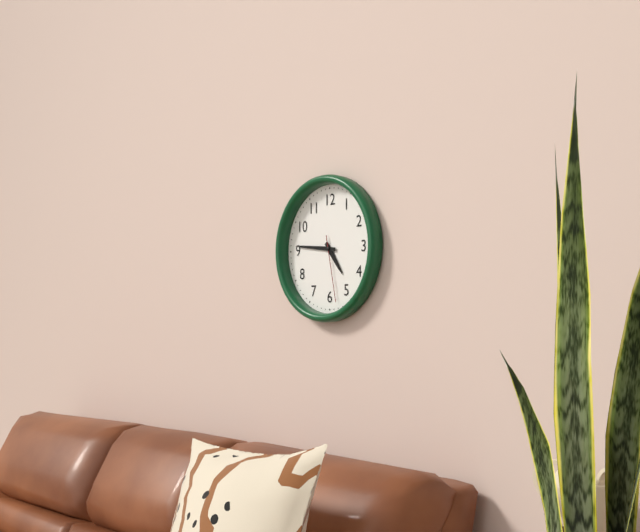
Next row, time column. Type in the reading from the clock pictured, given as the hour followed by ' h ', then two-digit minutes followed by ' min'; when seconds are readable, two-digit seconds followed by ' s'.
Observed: 4 h 46 min 28 s
